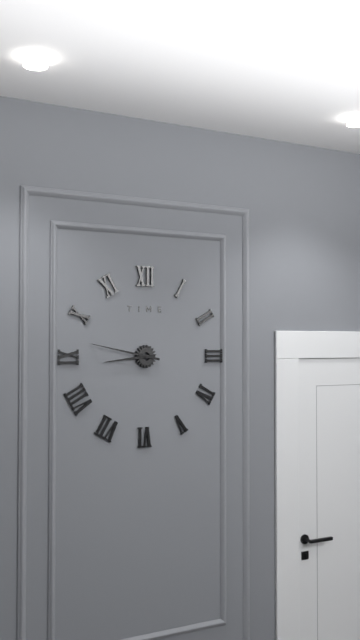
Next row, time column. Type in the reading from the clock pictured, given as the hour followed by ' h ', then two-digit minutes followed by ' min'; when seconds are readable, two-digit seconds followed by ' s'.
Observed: 8 h 47 min
